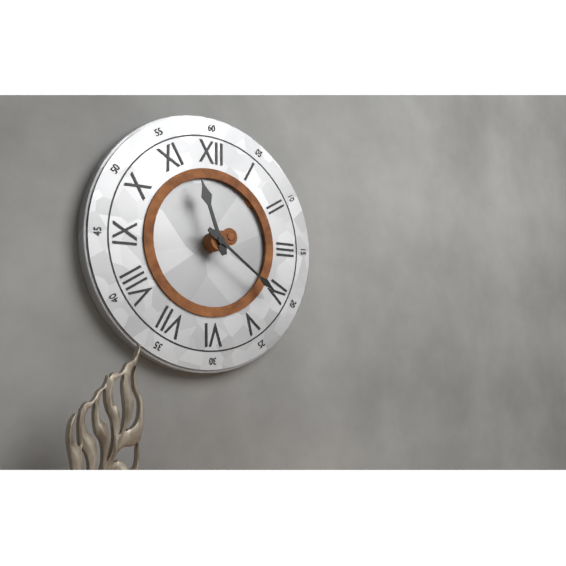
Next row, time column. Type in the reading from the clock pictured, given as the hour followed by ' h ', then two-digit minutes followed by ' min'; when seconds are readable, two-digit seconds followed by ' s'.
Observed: 11 h 21 min
